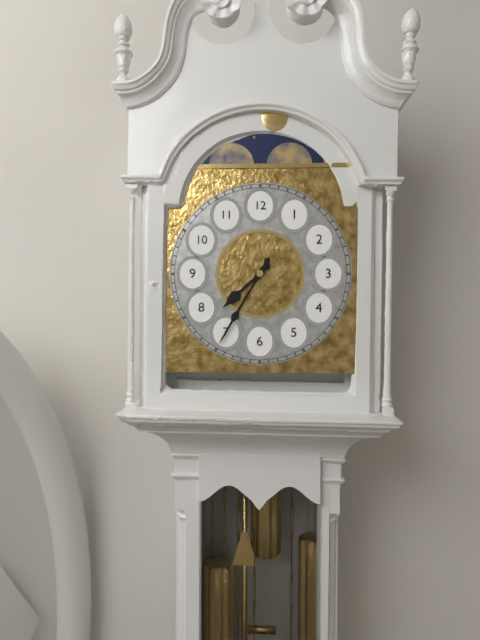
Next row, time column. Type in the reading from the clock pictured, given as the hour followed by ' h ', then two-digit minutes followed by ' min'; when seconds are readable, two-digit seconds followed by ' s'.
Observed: 7 h 35 min
